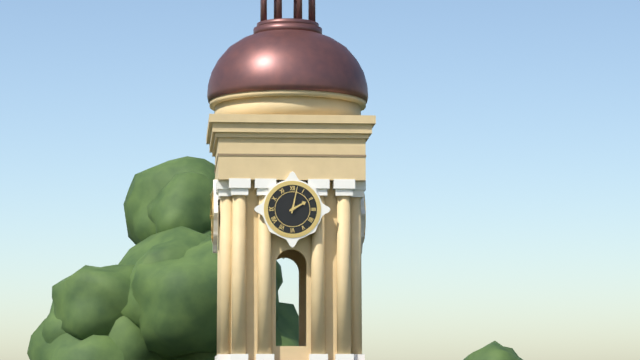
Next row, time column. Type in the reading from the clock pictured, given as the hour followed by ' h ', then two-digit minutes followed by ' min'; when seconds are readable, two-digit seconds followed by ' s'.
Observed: 2 h 02 min
